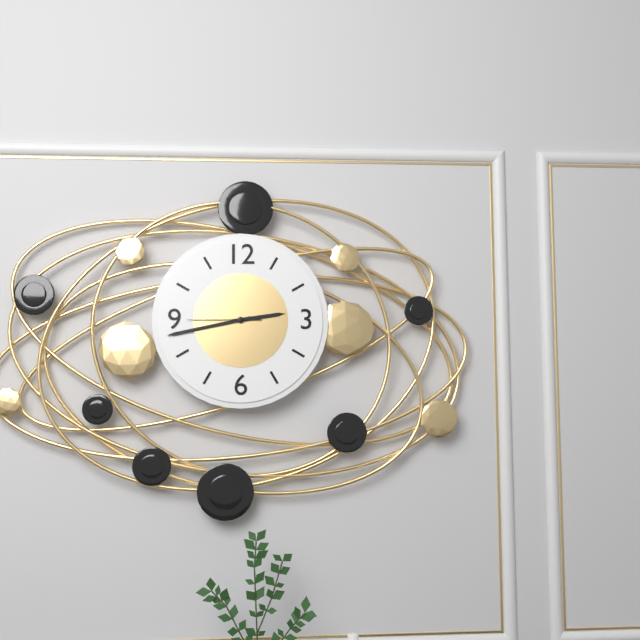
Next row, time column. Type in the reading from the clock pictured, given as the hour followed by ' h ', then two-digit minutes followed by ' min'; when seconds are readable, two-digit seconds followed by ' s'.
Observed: 2 h 43 min 45 s
